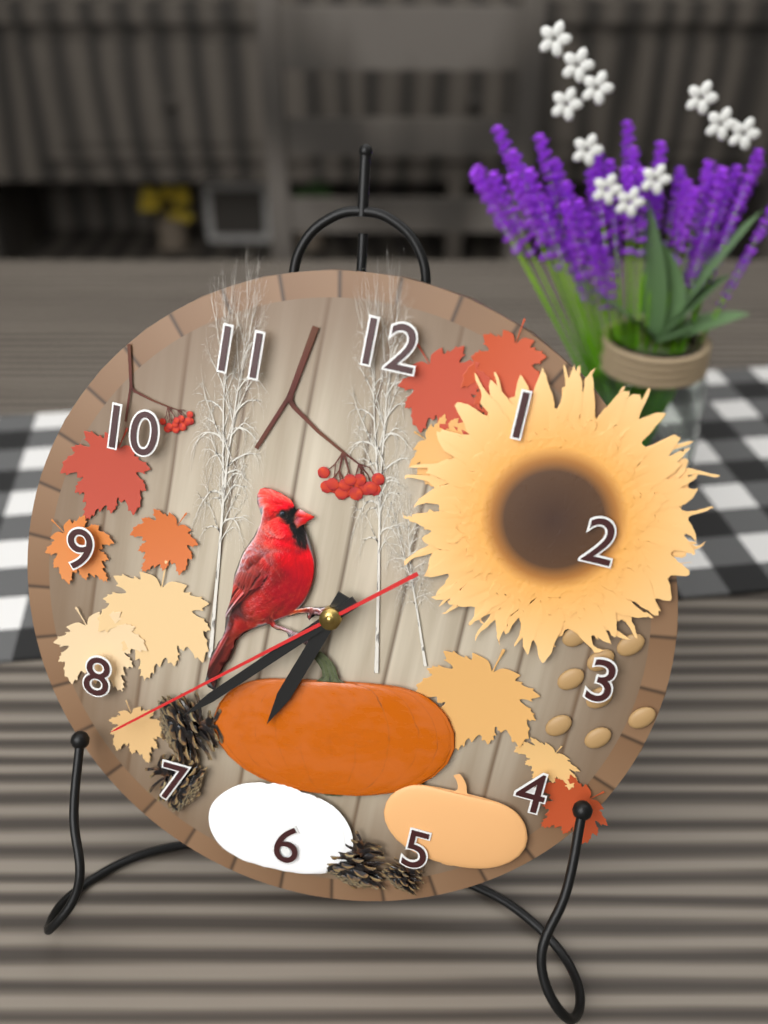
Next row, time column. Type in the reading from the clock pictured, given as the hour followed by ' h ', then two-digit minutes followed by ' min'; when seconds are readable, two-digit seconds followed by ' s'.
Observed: 6 h 37 min 38 s
